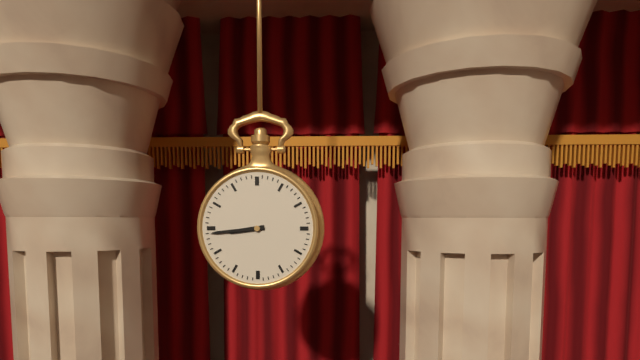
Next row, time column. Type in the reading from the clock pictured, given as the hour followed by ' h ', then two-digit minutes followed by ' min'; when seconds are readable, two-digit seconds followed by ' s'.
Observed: 8 h 44 min
